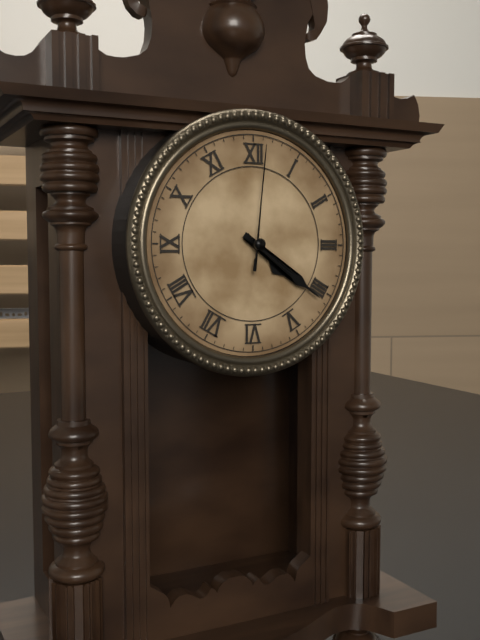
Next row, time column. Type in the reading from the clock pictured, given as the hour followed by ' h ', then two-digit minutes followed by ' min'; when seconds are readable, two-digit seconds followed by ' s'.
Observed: 4 h 21 min 01 s
